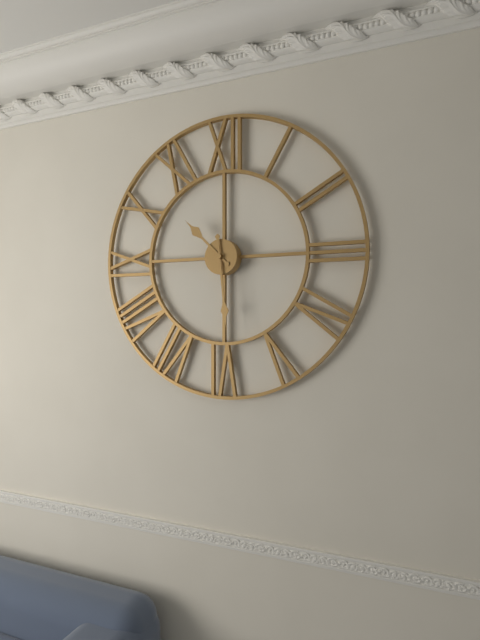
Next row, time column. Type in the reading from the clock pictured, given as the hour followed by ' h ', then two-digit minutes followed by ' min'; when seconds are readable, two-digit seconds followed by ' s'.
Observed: 10 h 29 min
